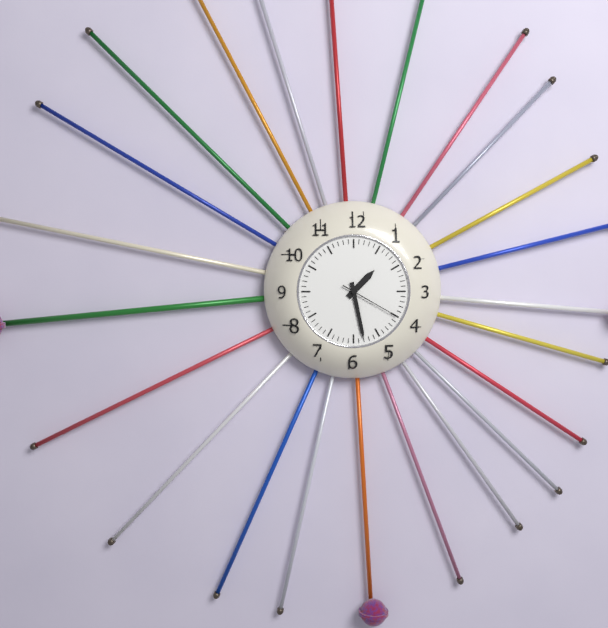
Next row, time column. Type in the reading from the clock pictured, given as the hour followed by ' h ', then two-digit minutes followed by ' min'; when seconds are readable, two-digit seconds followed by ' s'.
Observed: 1 h 28 min 20 s
